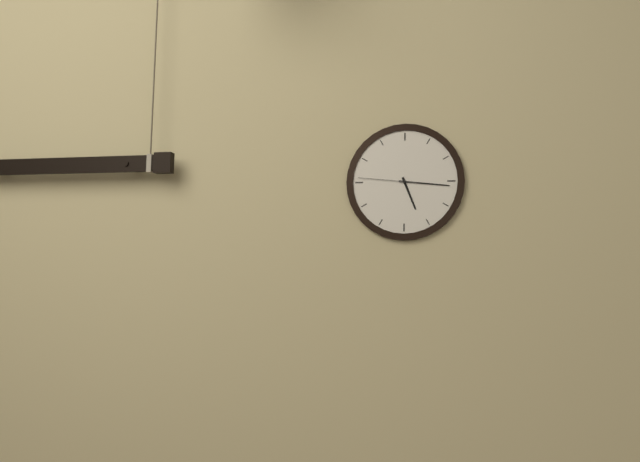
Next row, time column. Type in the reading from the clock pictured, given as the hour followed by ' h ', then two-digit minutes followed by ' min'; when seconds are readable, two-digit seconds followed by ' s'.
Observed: 5 h 16 min 46 s
